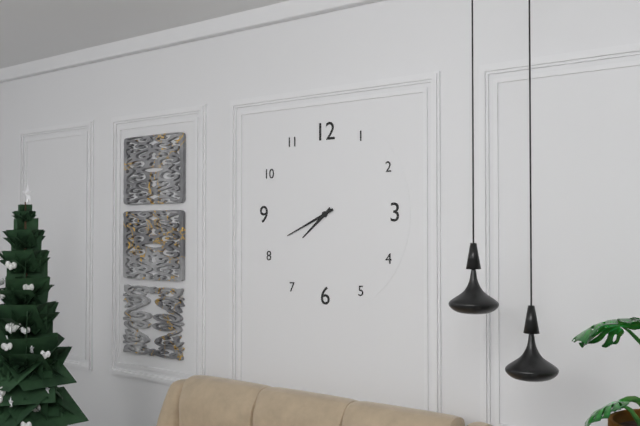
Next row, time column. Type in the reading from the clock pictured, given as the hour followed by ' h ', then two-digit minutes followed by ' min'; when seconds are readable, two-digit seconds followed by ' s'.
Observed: 7 h 41 min
